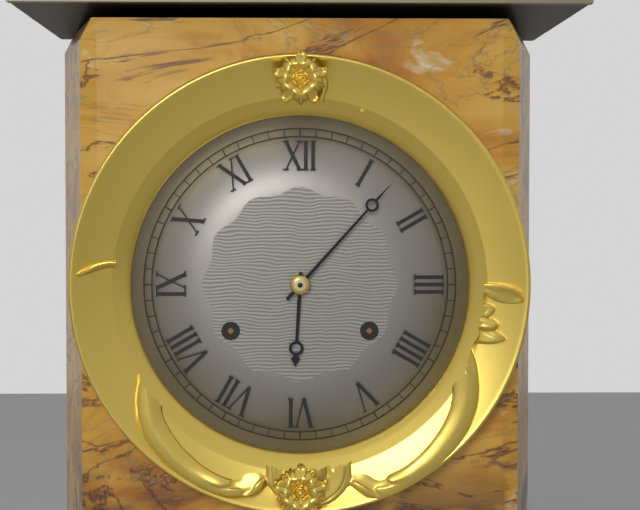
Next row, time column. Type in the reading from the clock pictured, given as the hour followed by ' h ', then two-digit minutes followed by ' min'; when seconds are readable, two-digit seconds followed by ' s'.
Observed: 6 h 07 min
